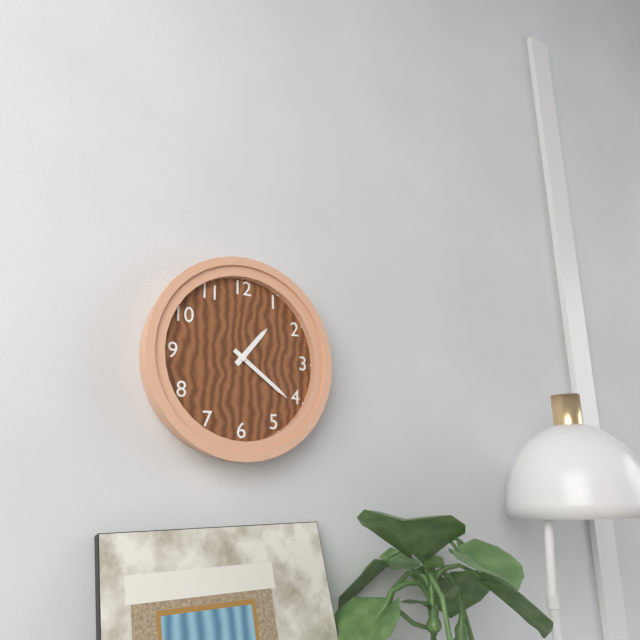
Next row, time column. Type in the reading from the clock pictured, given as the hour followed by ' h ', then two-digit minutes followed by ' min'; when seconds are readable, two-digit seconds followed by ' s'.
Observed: 1 h 21 min
